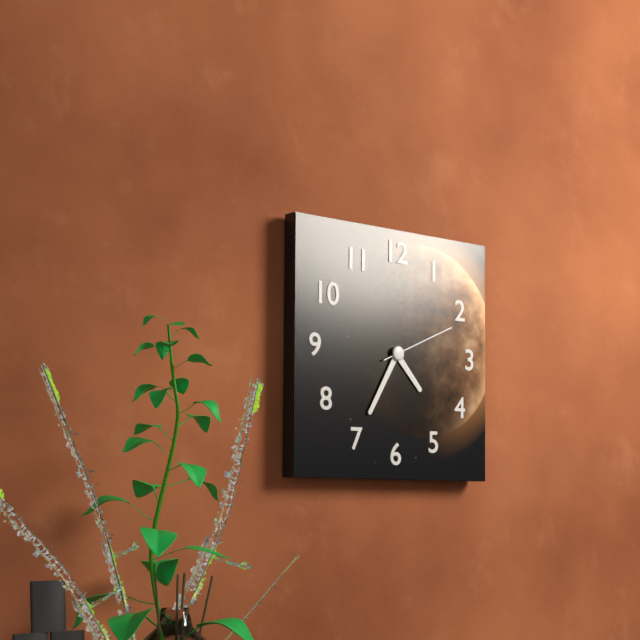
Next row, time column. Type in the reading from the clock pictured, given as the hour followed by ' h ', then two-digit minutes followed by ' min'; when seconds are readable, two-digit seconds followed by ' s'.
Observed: 4 h 35 min 11 s
